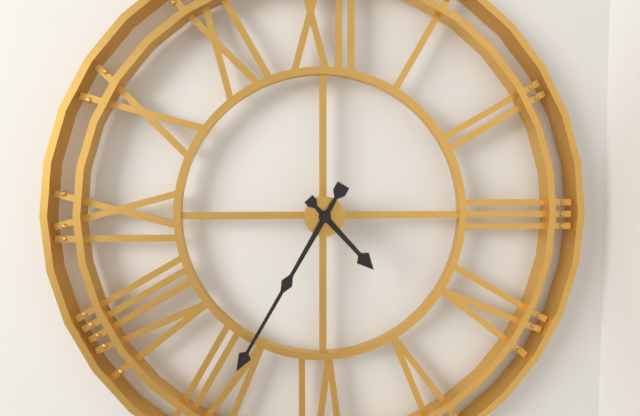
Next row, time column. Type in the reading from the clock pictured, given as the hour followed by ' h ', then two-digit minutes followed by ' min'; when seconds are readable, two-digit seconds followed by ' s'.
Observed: 4 h 35 min
